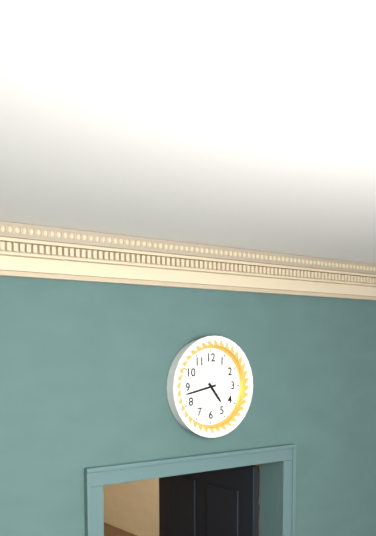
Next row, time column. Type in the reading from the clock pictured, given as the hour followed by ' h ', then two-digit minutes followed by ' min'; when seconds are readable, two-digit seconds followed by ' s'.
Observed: 4 h 43 min
